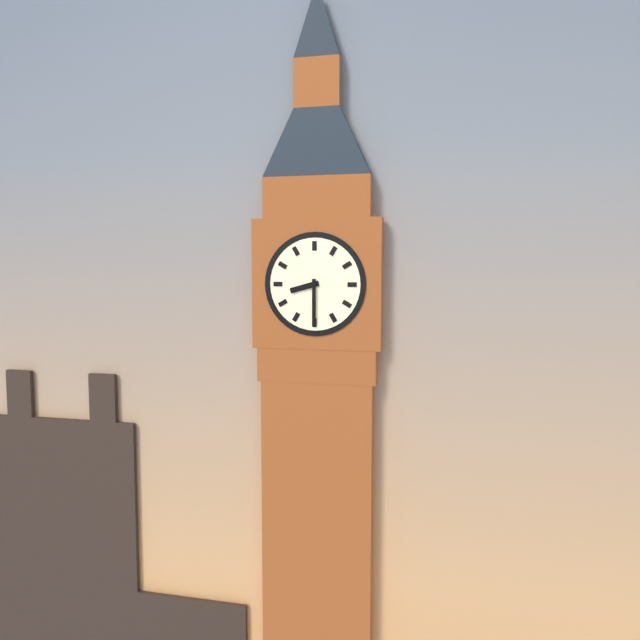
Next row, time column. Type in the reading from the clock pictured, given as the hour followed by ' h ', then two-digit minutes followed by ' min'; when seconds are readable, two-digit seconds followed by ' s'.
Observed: 8 h 30 min
